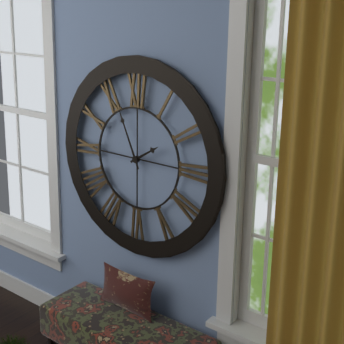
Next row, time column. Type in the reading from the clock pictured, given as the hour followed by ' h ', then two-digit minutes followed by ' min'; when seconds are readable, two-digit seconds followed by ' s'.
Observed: 1 h 56 min
